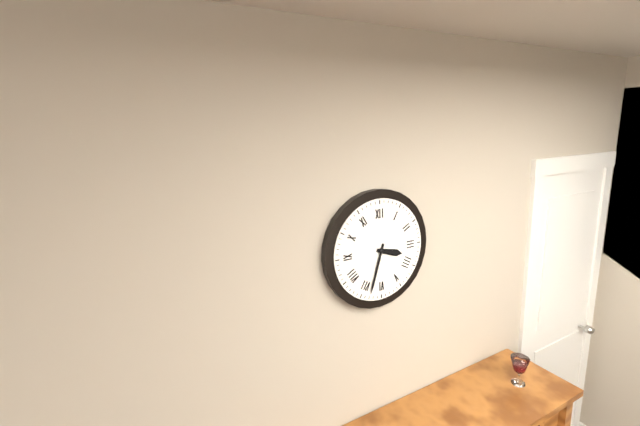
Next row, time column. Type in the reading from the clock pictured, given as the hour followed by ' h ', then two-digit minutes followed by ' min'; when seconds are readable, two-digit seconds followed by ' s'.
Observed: 3 h 33 min
